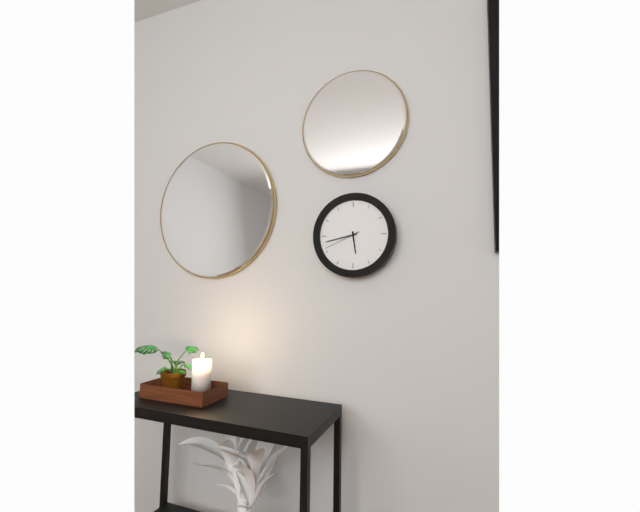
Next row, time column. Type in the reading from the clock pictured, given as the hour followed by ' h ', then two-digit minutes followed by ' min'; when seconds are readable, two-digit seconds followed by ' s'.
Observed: 5 h 43 min
